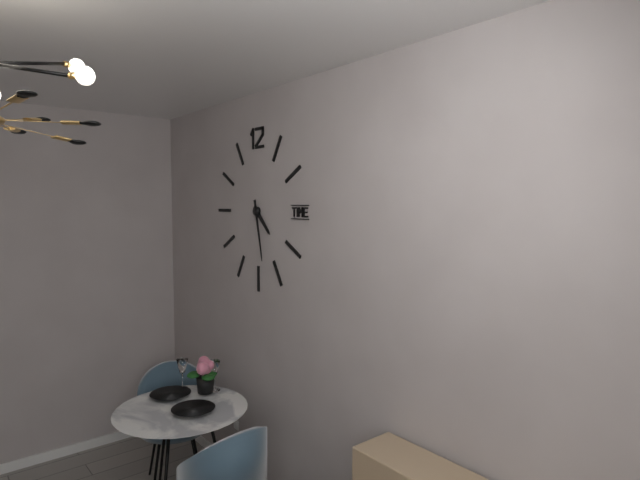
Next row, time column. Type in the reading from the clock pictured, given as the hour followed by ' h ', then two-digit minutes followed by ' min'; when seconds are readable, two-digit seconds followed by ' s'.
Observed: 4 h 28 min
